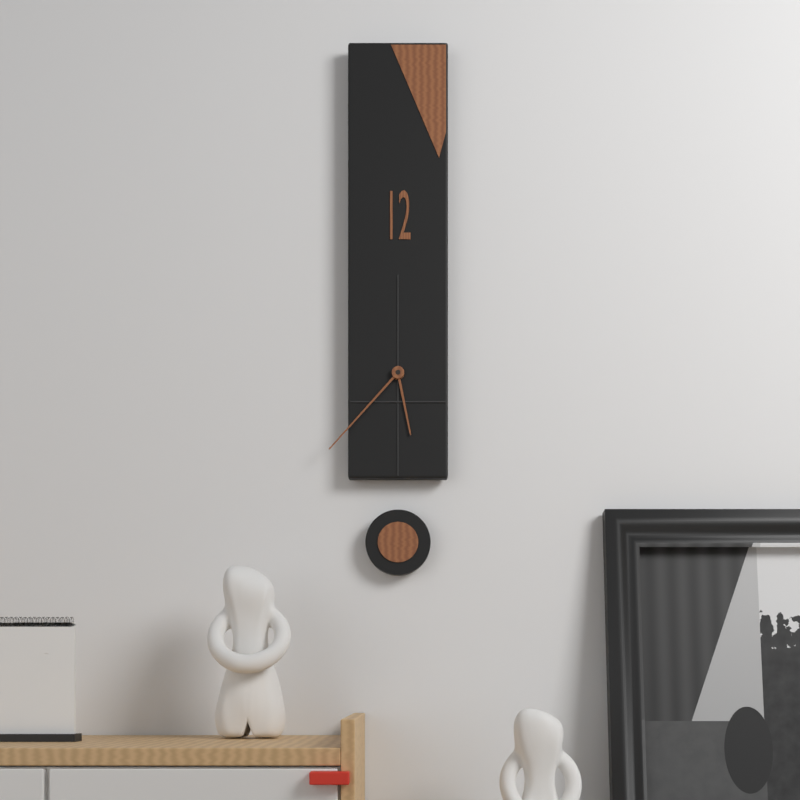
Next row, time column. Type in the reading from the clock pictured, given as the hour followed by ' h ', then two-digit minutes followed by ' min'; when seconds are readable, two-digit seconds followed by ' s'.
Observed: 5 h 37 min
